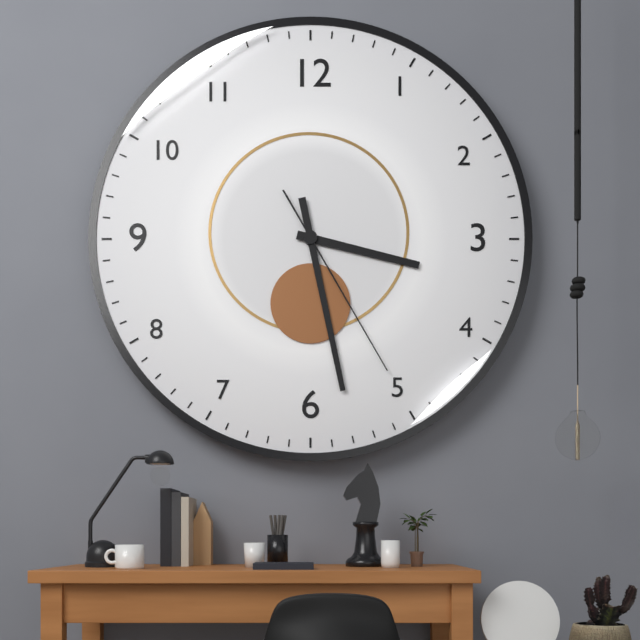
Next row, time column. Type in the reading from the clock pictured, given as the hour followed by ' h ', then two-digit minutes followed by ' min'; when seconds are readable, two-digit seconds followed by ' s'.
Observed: 3 h 28 min 25 s
